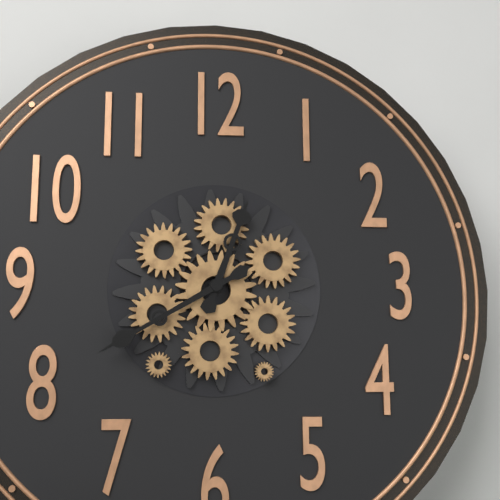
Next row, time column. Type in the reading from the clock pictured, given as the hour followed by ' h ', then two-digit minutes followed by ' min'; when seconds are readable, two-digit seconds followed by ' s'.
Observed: 12 h 40 min
